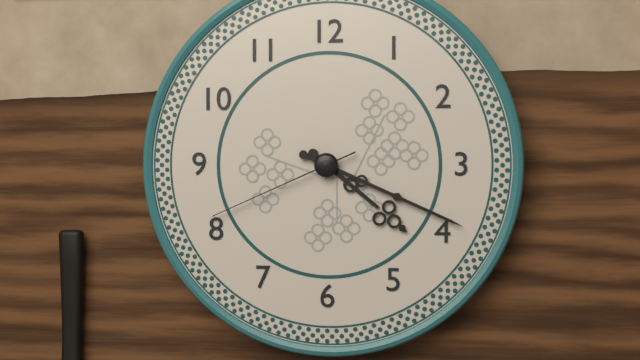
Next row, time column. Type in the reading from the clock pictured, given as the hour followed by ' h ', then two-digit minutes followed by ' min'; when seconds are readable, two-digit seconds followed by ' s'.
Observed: 4 h 19 min 41 s
